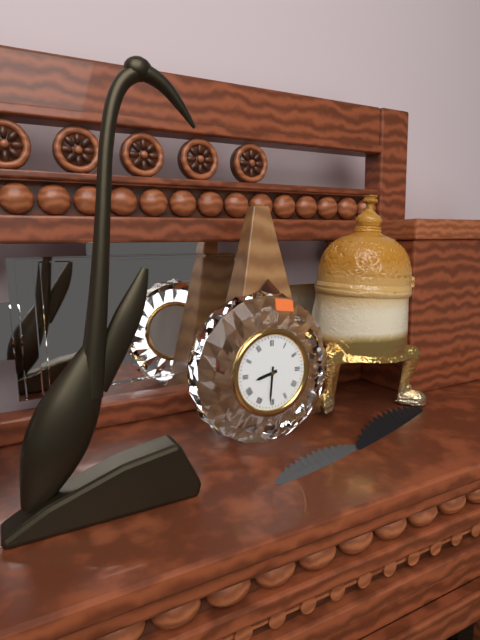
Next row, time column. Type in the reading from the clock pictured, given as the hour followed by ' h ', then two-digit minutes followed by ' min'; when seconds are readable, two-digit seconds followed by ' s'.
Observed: 8 h 31 min
